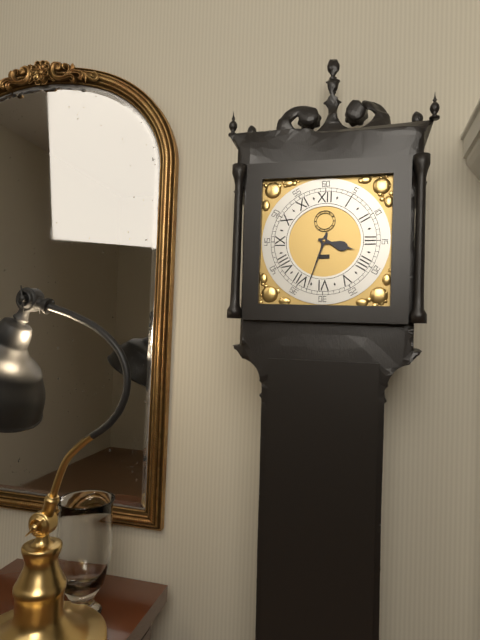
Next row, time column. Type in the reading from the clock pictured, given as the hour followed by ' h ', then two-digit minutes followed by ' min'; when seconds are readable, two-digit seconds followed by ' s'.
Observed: 3 h 33 min
